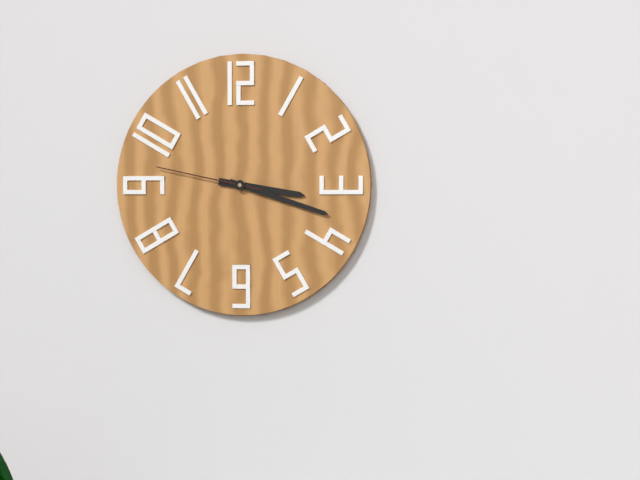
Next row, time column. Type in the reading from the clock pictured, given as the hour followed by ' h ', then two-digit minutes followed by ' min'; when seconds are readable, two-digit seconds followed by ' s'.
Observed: 3 h 18 min 47 s
